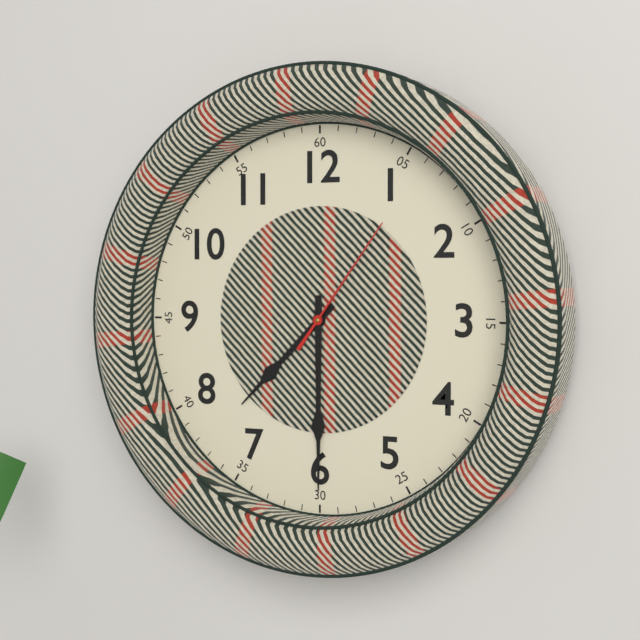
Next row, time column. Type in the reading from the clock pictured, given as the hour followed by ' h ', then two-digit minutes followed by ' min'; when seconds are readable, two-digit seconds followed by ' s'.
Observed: 7 h 30 min 06 s
